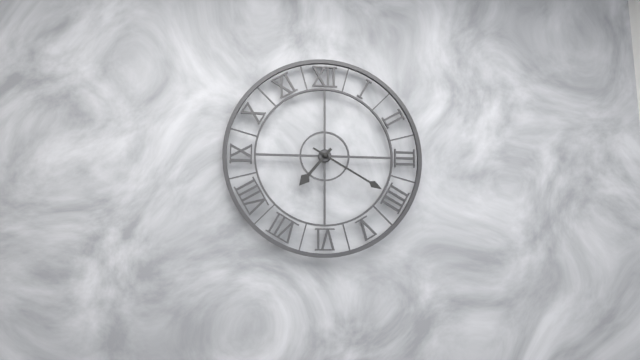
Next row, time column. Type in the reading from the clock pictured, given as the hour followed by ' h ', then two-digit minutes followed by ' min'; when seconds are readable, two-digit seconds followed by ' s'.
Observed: 7 h 20 min
